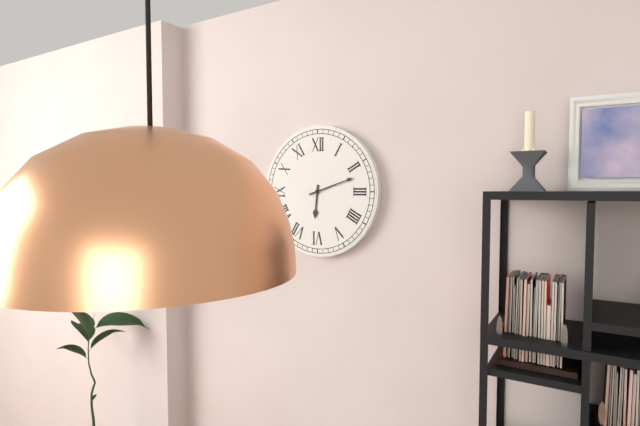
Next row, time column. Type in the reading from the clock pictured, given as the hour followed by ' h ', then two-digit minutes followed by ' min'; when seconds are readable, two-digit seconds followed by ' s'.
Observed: 6 h 12 min
